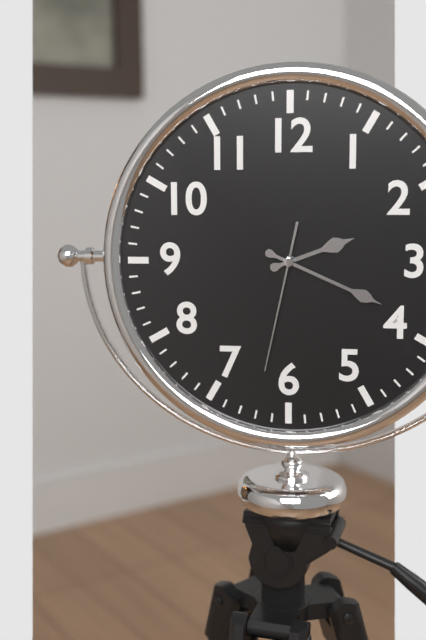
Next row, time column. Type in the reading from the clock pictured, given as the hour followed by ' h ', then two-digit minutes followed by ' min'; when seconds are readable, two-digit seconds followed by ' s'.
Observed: 2 h 19 min 32 s
